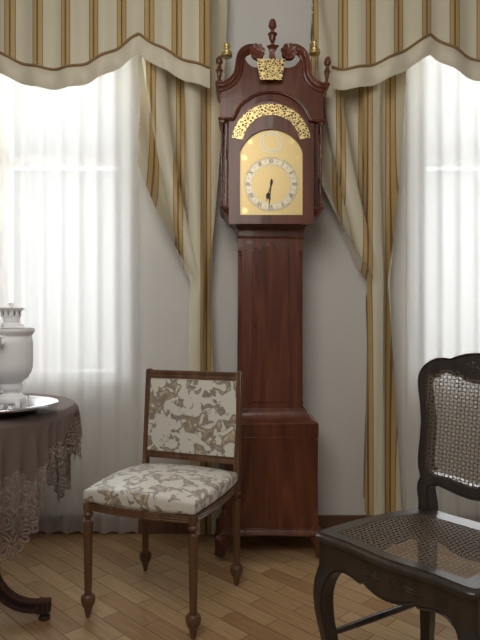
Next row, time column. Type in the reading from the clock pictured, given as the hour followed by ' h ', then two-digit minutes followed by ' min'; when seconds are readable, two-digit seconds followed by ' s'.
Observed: 6 h 31 min
